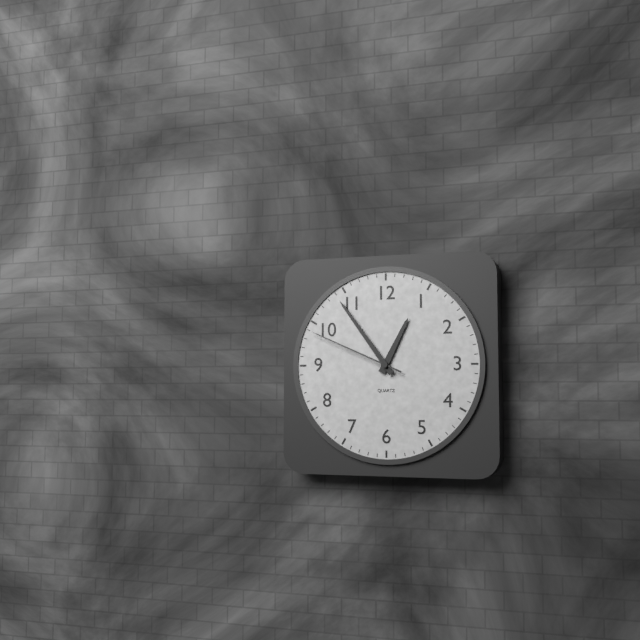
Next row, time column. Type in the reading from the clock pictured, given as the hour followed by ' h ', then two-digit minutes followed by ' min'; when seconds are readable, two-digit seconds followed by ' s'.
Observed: 12 h 54 min 49 s
